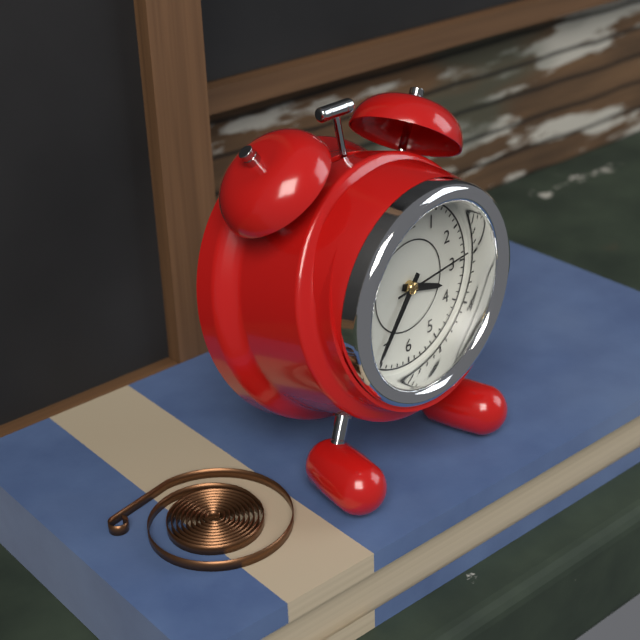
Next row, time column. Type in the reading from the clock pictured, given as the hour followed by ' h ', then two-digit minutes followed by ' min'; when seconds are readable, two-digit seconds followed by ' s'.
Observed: 3 h 36 min 14 s
